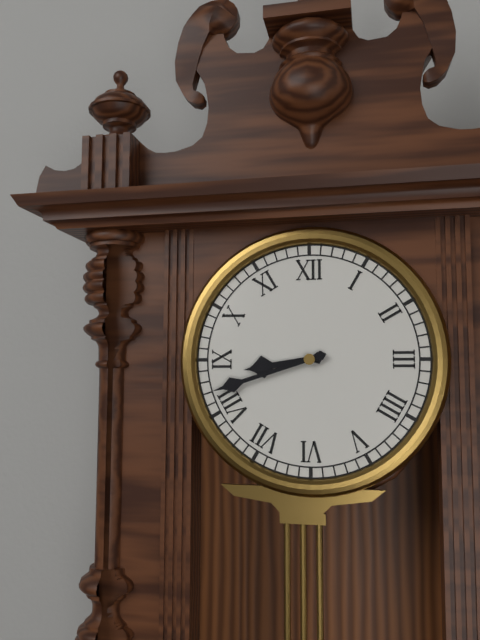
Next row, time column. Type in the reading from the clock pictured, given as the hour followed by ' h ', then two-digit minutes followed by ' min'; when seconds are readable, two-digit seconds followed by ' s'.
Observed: 8 h 42 min
